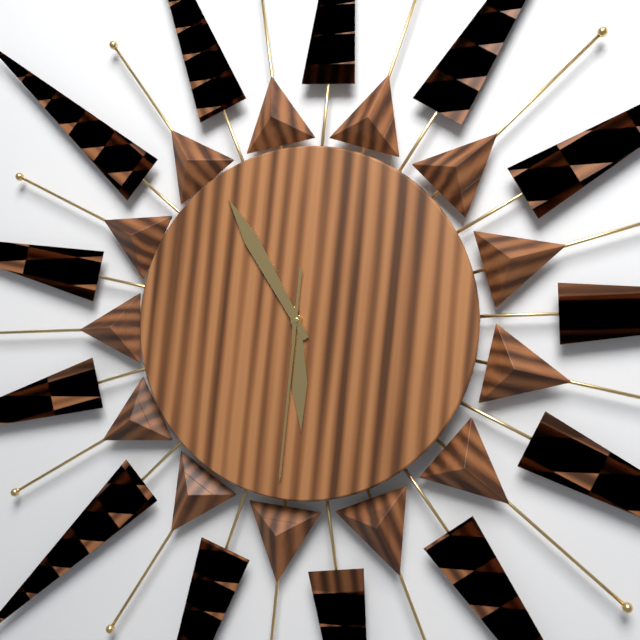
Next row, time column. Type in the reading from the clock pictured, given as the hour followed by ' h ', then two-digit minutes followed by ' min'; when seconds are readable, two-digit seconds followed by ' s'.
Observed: 5 h 55 min 31 s
